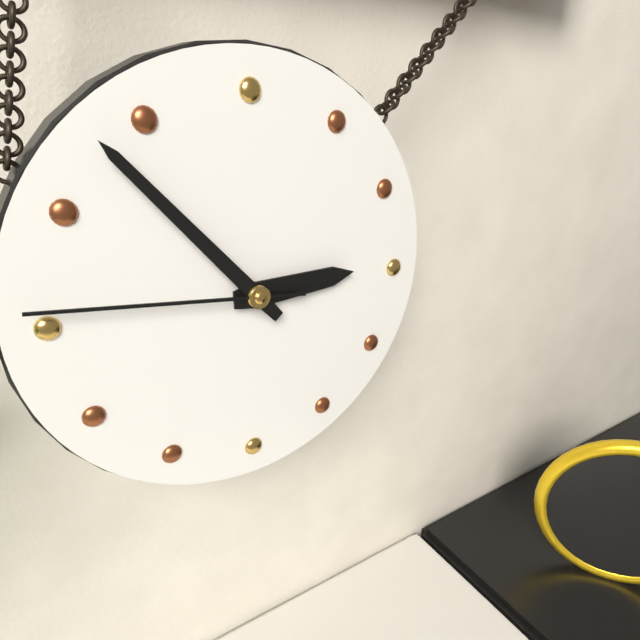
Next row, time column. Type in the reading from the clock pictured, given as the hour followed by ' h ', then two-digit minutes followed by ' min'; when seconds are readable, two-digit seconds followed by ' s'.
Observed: 2 h 53 min 46 s
